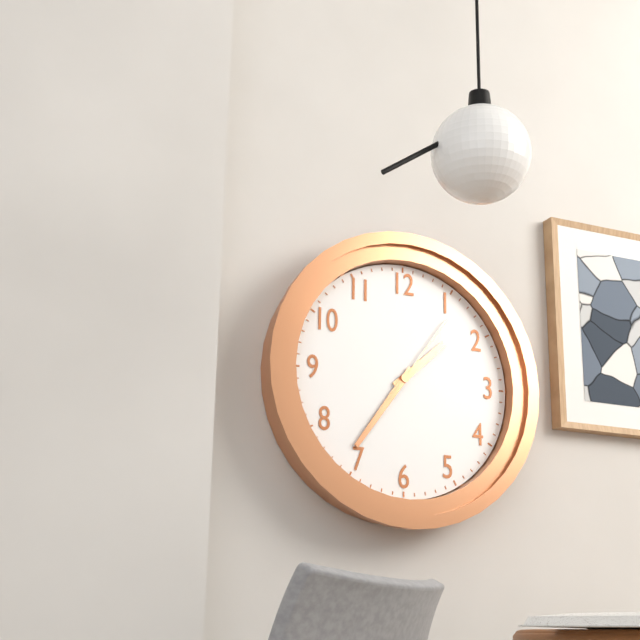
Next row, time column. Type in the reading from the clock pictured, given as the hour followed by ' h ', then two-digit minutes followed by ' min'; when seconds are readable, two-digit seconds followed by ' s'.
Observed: 1 h 36 min 06 s
